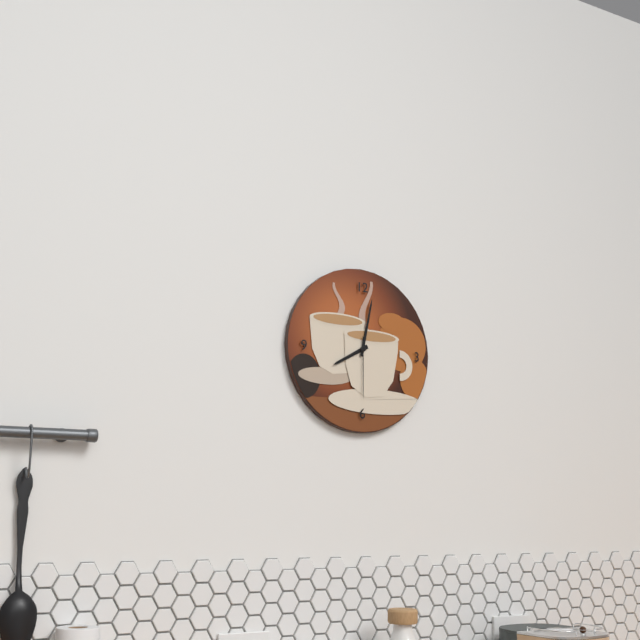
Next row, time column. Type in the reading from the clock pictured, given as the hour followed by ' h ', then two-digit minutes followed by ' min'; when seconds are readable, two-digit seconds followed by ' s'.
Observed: 8 h 02 min 30 s
